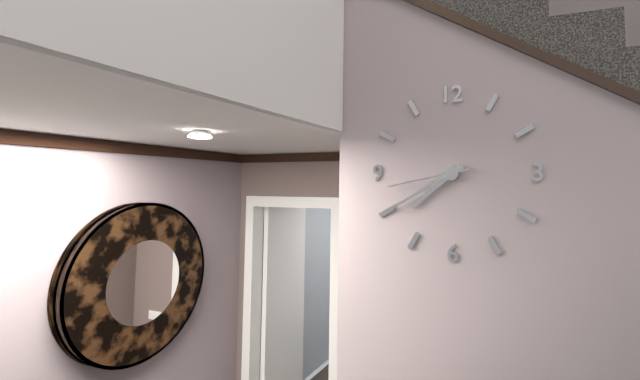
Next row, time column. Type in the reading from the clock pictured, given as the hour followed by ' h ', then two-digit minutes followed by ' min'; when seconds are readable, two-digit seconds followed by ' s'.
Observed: 7 h 40 min 43 s
